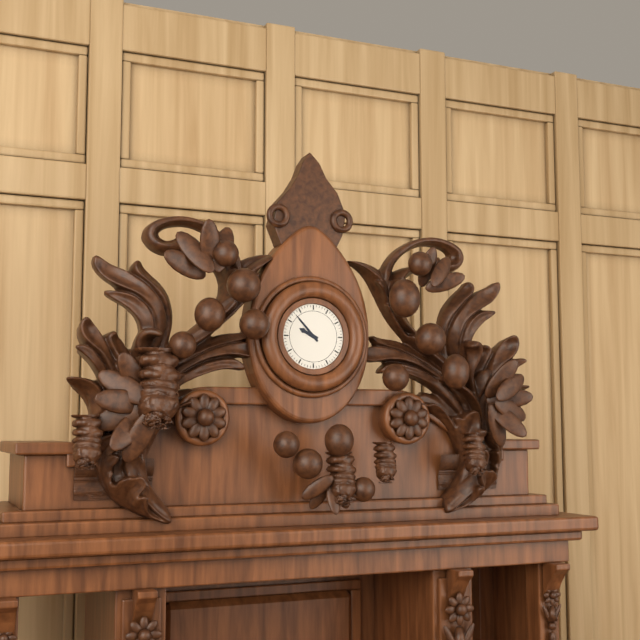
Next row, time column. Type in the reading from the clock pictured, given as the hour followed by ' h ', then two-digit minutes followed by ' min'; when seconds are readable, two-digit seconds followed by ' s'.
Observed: 9 h 53 min
